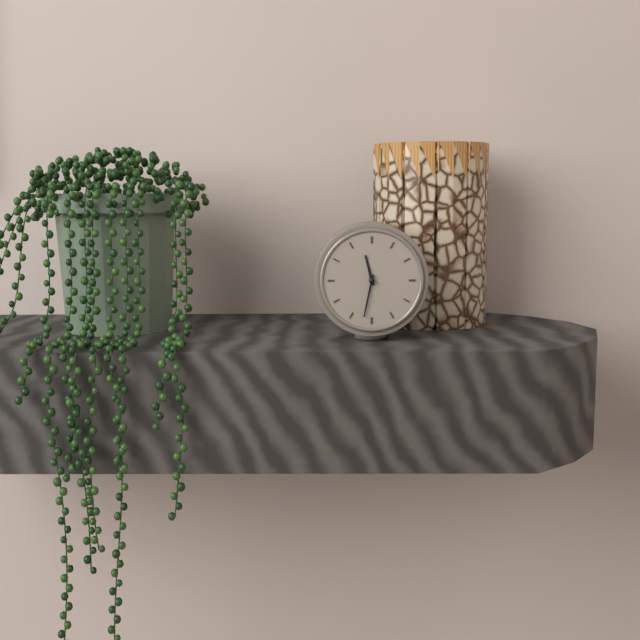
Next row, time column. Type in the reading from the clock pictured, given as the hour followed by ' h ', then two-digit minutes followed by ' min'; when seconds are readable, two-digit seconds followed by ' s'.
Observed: 11 h 32 min
